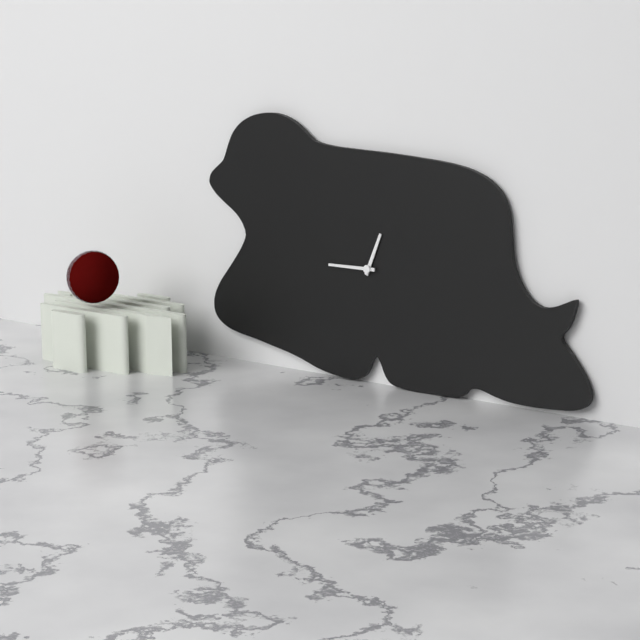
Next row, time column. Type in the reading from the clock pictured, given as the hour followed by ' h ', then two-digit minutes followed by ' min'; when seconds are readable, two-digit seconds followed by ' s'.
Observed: 12 h 45 min
